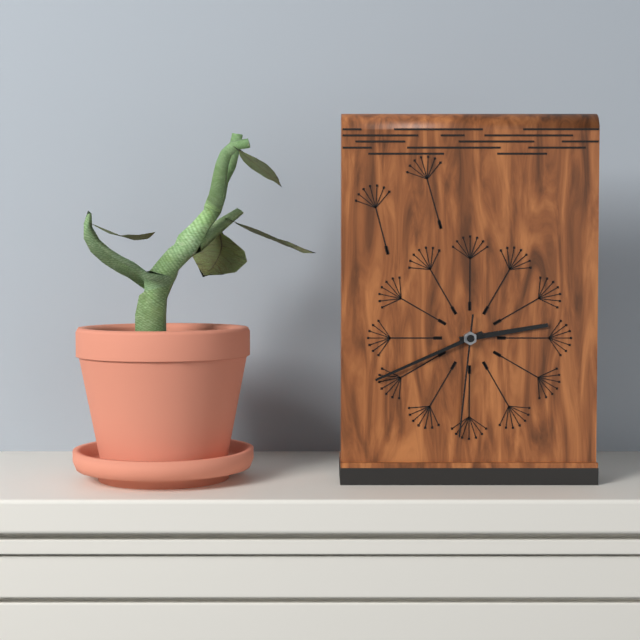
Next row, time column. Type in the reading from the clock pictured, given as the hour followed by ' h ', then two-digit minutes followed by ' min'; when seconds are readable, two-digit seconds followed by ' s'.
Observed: 2 h 41 min 31 s
